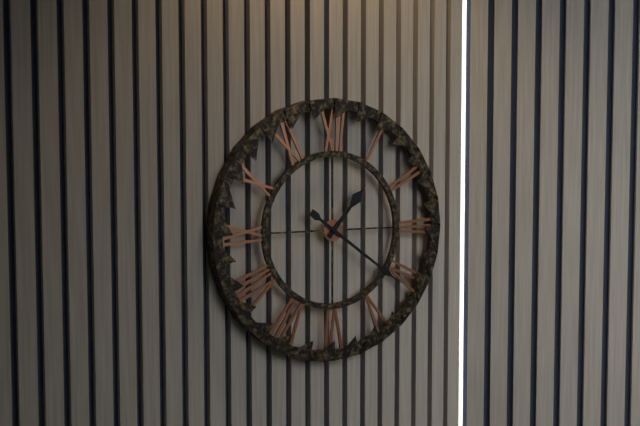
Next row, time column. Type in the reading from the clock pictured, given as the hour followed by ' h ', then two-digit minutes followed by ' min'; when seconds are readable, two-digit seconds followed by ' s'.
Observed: 1 h 21 min
